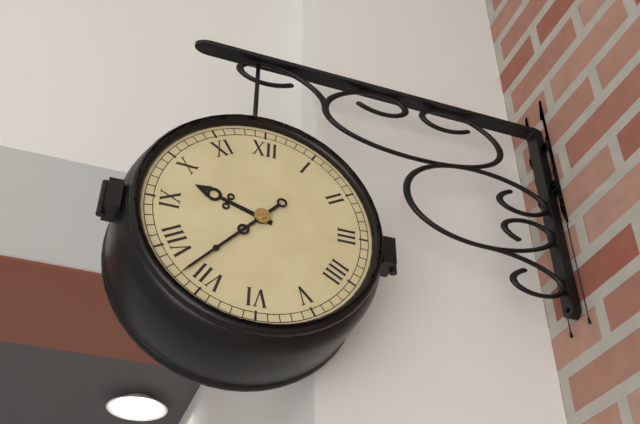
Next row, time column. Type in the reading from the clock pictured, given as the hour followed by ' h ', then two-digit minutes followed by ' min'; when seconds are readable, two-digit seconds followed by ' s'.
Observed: 9 h 37 min
